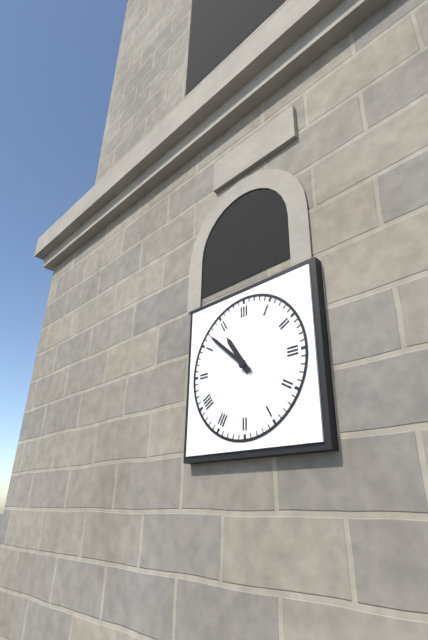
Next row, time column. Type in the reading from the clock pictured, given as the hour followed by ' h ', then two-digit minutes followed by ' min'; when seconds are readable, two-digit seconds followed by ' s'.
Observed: 10 h 52 min
